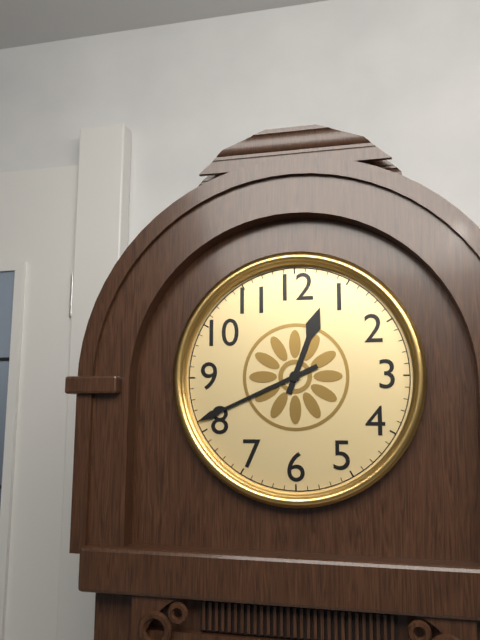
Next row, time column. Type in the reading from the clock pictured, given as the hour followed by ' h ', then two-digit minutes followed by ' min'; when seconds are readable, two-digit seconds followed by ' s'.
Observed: 12 h 41 min
